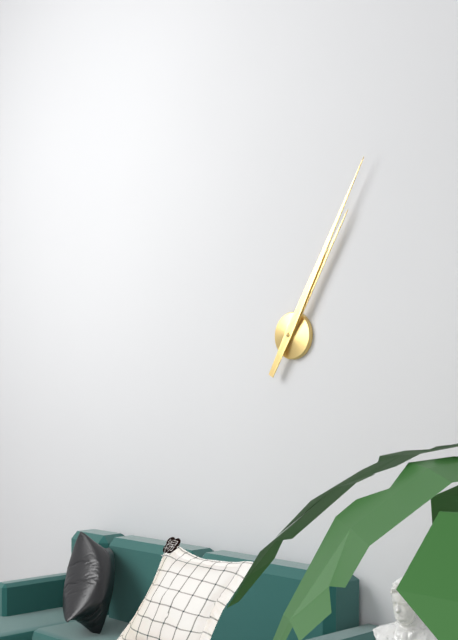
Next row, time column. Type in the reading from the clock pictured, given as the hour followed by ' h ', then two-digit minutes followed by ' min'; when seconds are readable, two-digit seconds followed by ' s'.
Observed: 1 h 05 min
